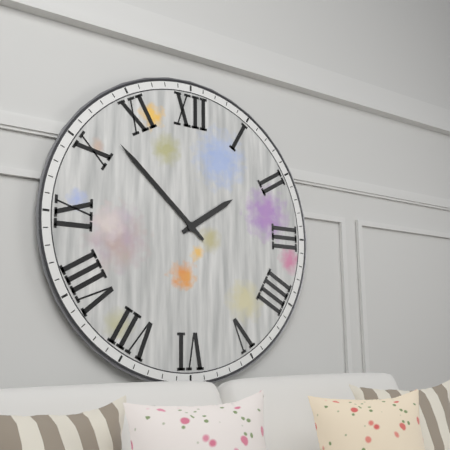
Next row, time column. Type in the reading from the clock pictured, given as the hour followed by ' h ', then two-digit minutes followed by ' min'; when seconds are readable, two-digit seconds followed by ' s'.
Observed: 1 h 52 min
